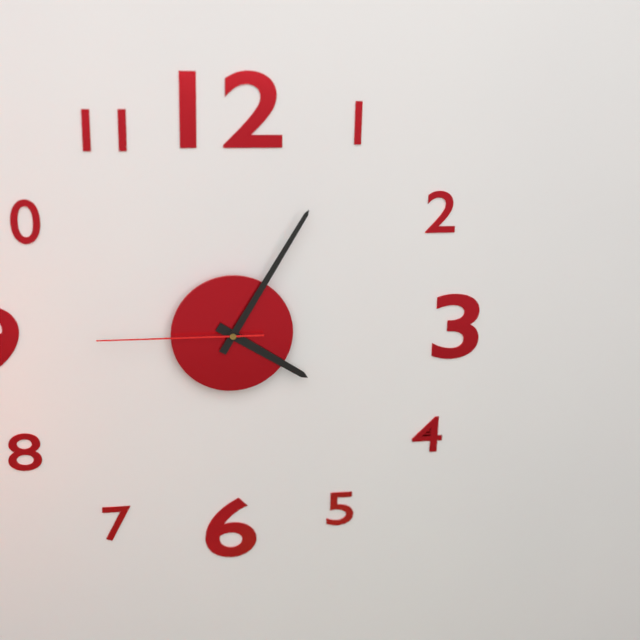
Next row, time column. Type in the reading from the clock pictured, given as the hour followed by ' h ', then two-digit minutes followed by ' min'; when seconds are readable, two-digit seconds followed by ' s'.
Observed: 4 h 05 min 45 s
